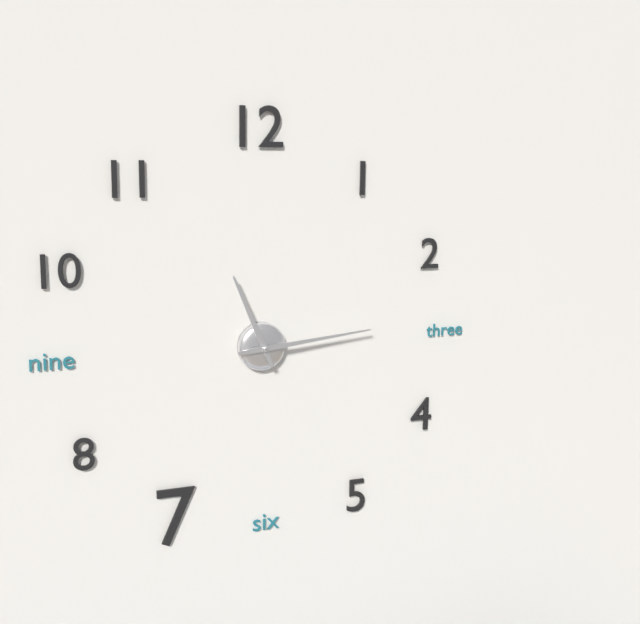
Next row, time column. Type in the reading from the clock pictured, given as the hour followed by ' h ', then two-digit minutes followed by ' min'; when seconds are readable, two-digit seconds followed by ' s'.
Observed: 11 h 14 min
